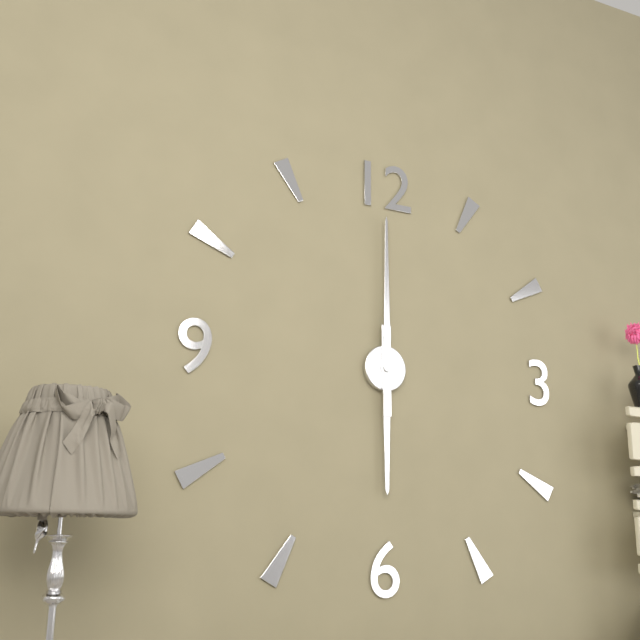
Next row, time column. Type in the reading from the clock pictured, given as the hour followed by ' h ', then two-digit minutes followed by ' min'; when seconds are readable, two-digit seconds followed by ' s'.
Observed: 6 h 00 min
